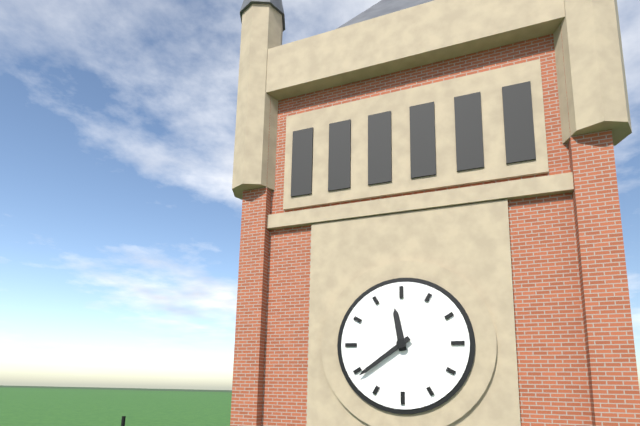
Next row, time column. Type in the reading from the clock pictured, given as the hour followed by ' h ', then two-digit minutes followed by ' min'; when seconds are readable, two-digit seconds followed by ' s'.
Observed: 11 h 39 min
